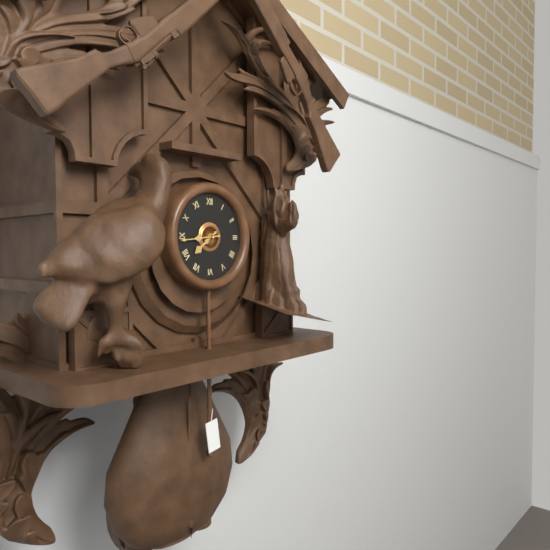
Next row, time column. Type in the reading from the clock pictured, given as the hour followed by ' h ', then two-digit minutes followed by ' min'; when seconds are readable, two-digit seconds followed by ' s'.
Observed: 7 h 44 min
